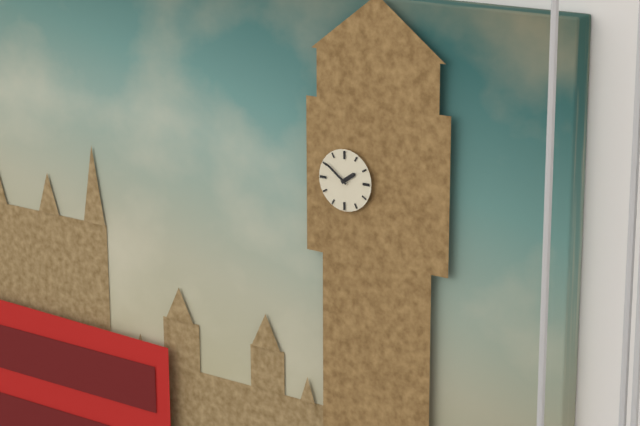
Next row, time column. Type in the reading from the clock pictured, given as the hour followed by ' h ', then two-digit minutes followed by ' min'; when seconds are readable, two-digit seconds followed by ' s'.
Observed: 1 h 51 min
